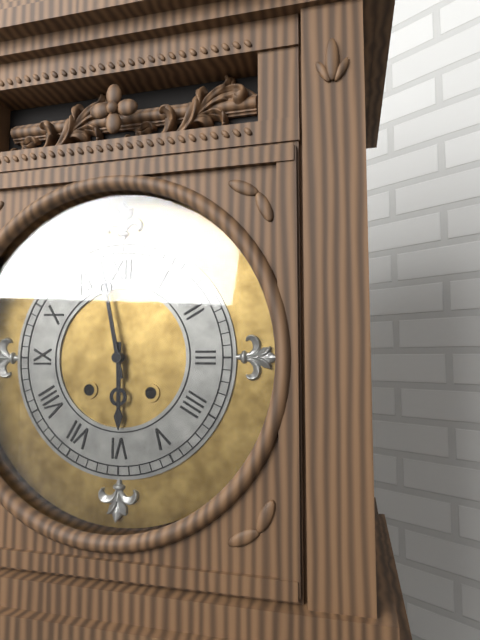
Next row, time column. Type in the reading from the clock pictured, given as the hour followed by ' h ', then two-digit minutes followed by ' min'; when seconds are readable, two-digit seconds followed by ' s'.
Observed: 5 h 58 min
